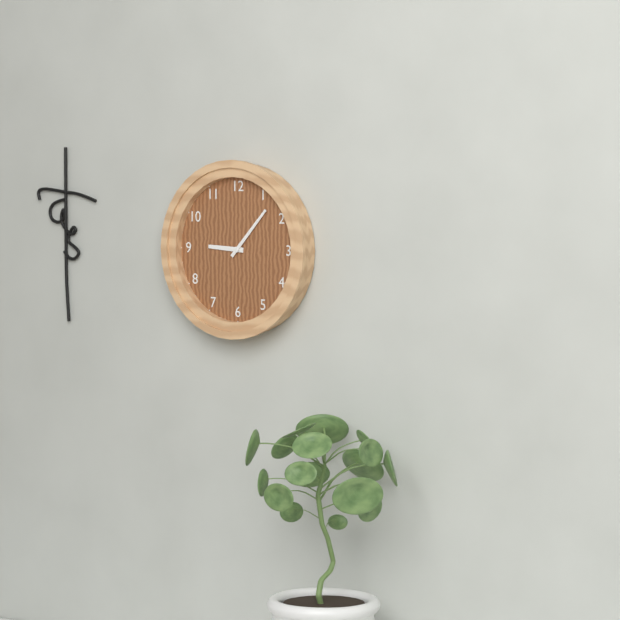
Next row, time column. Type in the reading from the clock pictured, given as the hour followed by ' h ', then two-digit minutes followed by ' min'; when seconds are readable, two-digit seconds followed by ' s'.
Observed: 9 h 07 min
